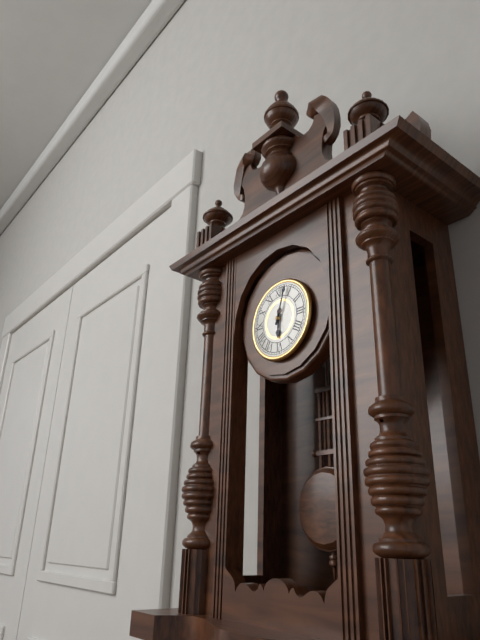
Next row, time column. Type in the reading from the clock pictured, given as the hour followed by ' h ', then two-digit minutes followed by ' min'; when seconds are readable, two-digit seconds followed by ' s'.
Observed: 6 h 03 min
